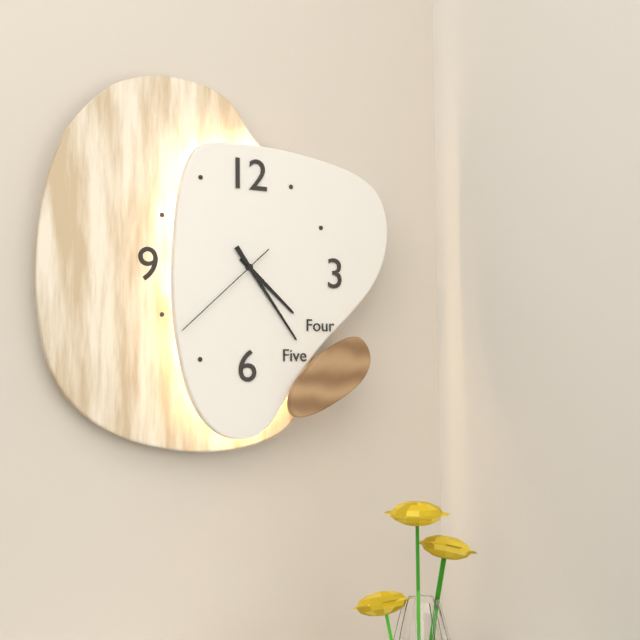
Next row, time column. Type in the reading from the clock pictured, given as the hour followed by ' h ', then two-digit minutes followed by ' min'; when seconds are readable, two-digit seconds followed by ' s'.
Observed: 4 h 24 min 38 s
